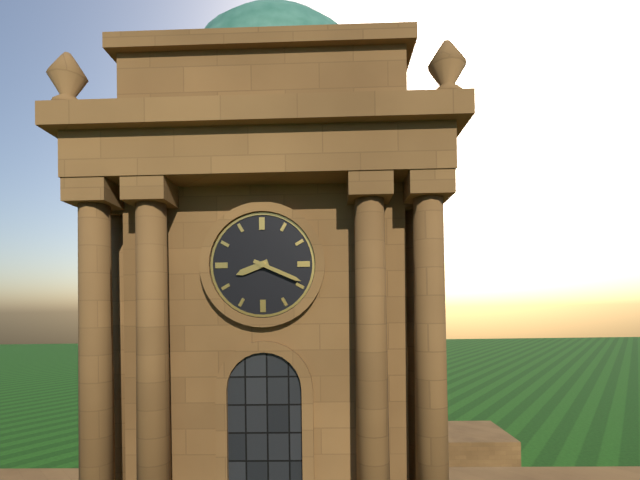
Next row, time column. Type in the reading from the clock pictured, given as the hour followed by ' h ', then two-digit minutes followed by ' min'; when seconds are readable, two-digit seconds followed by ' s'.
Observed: 8 h 19 min
